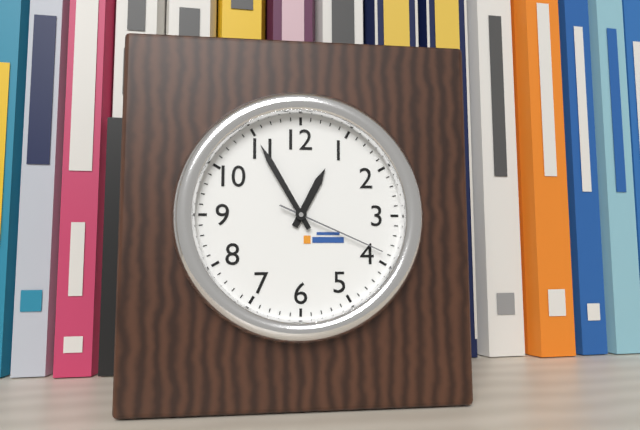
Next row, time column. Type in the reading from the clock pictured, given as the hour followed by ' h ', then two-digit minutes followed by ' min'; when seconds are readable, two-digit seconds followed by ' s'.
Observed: 12 h 55 min 19 s
